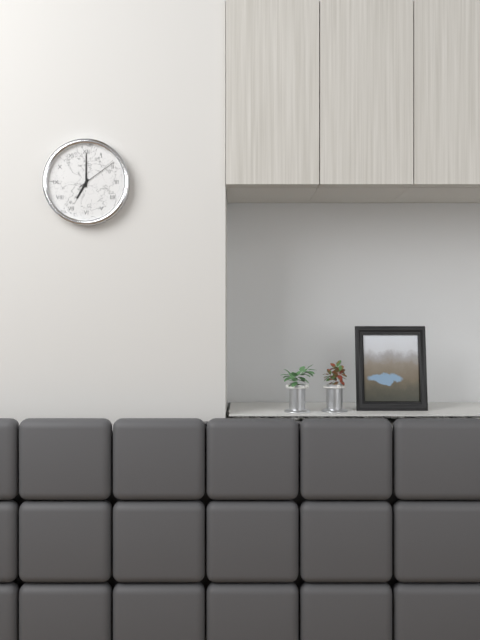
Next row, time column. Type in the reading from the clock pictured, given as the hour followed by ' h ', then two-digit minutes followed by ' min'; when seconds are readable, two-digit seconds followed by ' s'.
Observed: 7 h 00 min
